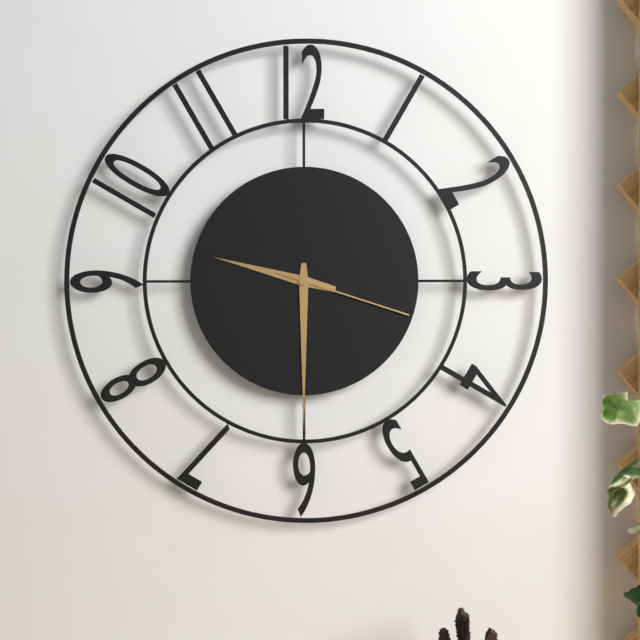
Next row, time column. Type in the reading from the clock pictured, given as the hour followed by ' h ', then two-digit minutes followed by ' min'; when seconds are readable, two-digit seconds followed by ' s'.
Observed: 9 h 30 min 18 s
